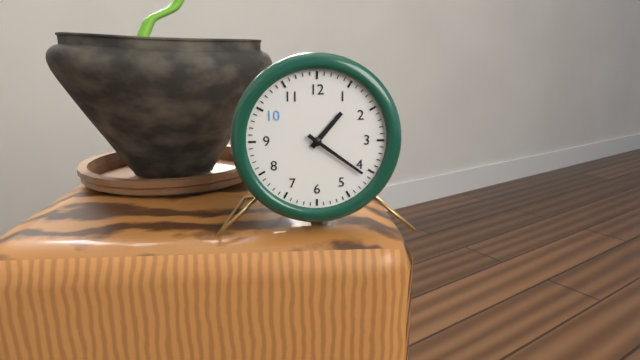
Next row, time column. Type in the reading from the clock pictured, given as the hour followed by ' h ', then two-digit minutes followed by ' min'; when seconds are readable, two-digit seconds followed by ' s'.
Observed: 1 h 21 min
